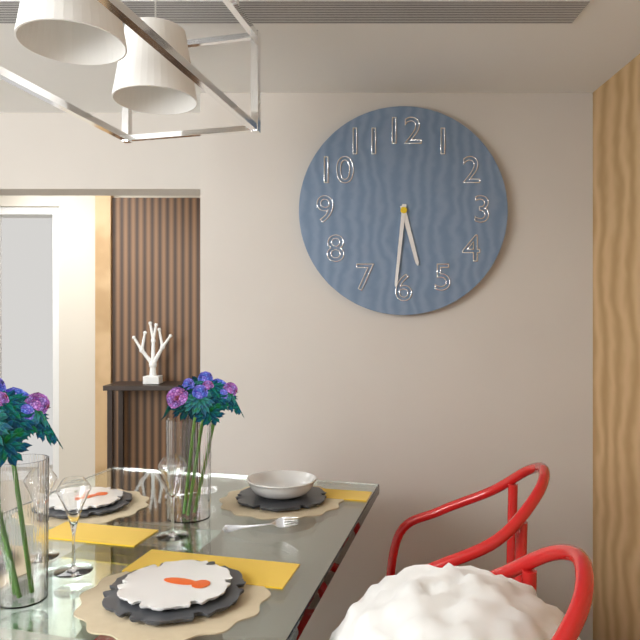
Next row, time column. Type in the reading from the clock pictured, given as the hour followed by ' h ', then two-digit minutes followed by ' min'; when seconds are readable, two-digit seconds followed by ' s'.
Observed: 5 h 31 min
